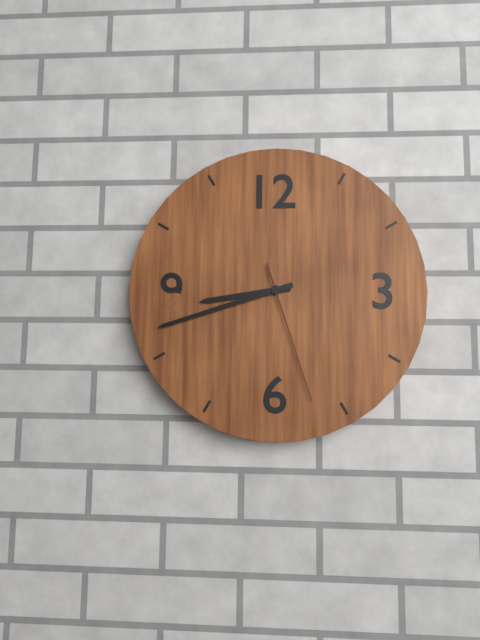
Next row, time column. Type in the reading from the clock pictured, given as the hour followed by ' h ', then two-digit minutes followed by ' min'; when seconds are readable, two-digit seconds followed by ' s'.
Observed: 8 h 42 min 27 s
